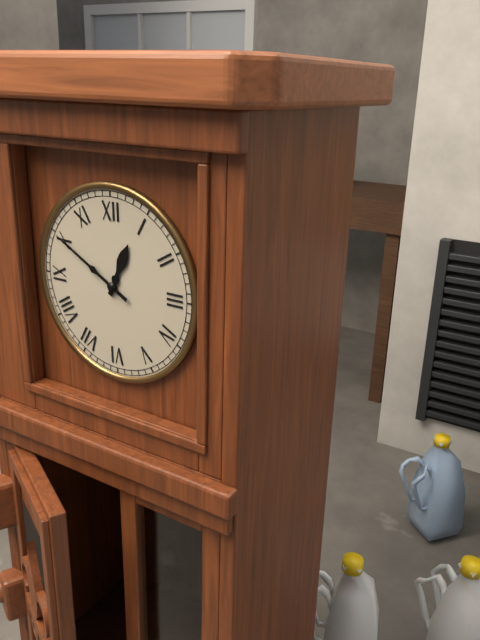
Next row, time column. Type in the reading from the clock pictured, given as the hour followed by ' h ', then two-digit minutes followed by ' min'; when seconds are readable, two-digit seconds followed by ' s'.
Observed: 12 h 50 min
